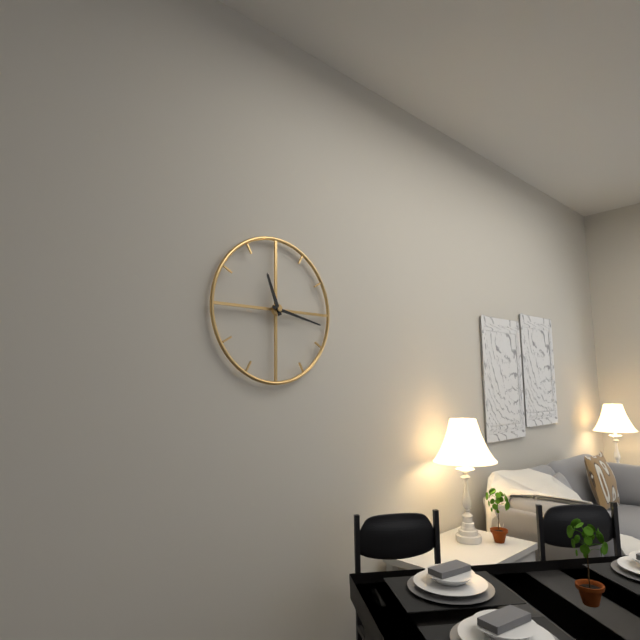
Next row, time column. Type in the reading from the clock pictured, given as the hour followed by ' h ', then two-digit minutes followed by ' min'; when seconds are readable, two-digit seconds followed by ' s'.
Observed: 11 h 17 min
